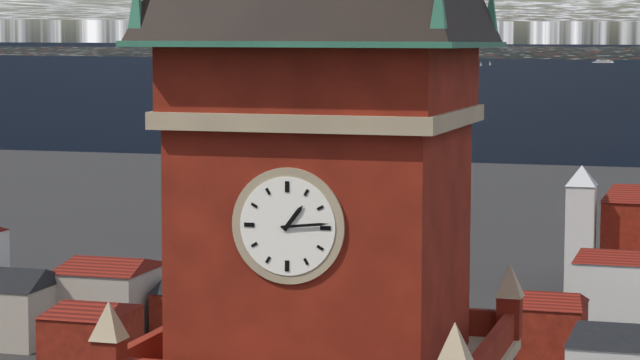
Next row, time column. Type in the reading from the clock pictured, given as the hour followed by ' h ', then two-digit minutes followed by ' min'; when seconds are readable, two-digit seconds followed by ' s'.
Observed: 1 h 14 min
